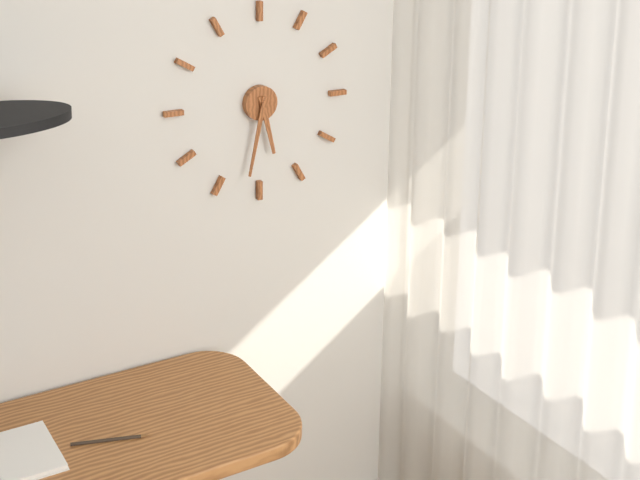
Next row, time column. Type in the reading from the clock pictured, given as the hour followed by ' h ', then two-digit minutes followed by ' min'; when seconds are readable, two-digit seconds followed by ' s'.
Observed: 5 h 32 min
